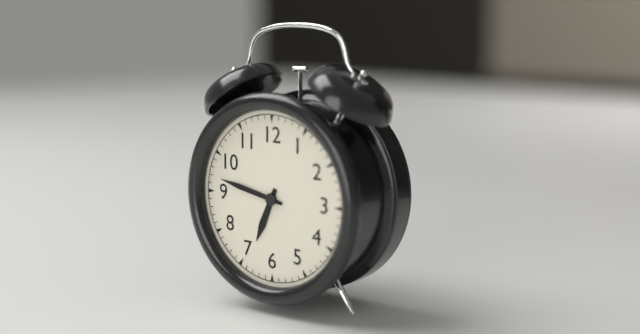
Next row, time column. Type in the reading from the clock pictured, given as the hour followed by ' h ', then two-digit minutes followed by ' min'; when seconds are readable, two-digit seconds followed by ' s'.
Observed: 6 h 47 min
